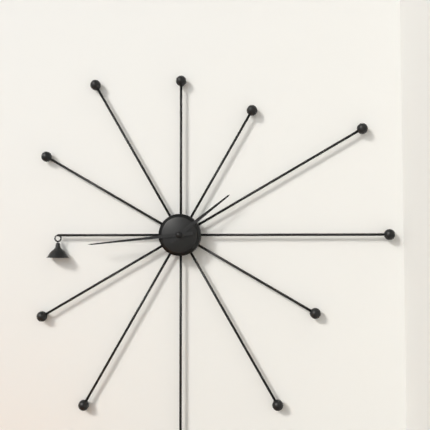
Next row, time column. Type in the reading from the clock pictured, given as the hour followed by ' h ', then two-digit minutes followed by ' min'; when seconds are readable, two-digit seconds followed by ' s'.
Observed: 1 h 44 min
